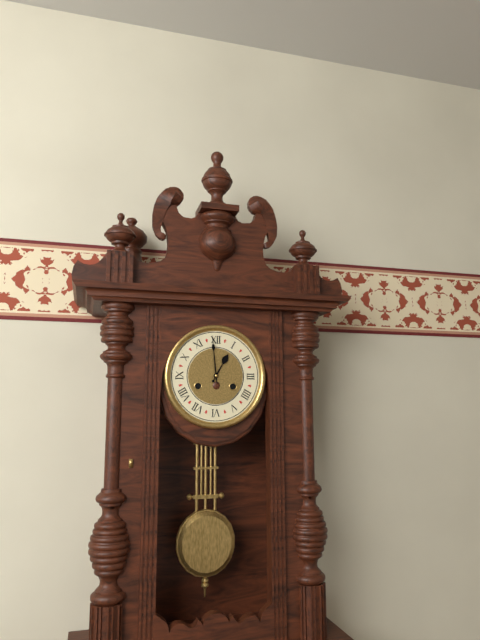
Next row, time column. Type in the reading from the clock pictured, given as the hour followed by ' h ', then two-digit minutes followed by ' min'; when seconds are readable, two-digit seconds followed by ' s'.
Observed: 12 h 59 min
